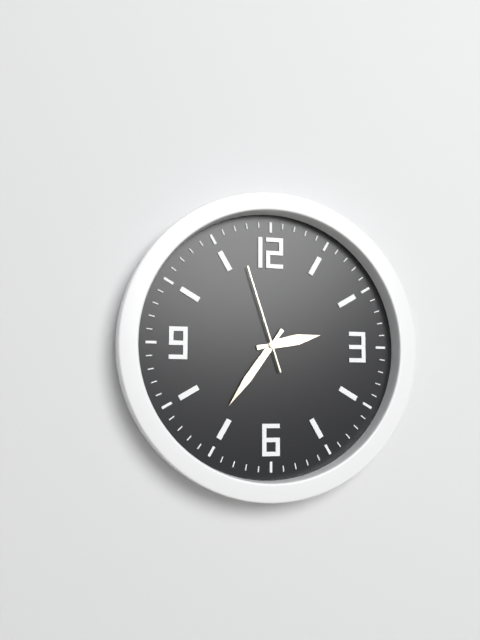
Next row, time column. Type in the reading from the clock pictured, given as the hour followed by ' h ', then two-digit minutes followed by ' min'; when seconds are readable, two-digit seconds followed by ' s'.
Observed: 2 h 36 min 57 s
